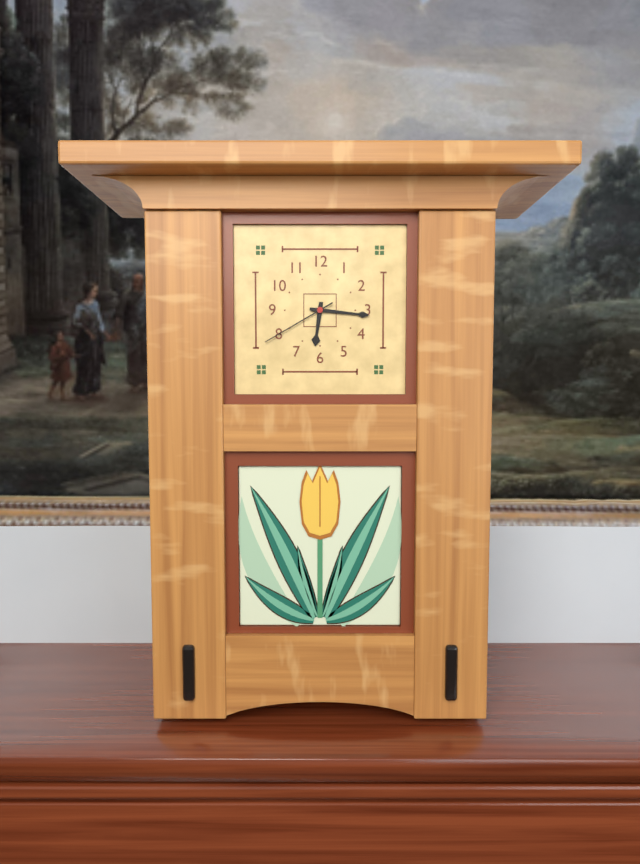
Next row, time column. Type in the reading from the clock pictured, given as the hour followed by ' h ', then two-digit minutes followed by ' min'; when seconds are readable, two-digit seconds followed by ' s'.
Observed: 6 h 16 min 40 s
